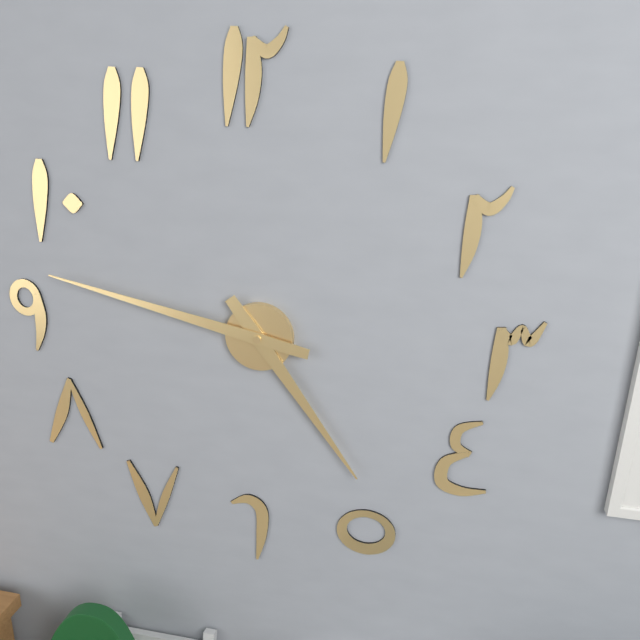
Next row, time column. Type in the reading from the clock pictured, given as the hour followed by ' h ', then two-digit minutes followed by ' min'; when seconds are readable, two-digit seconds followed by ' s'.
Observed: 4 h 47 min
